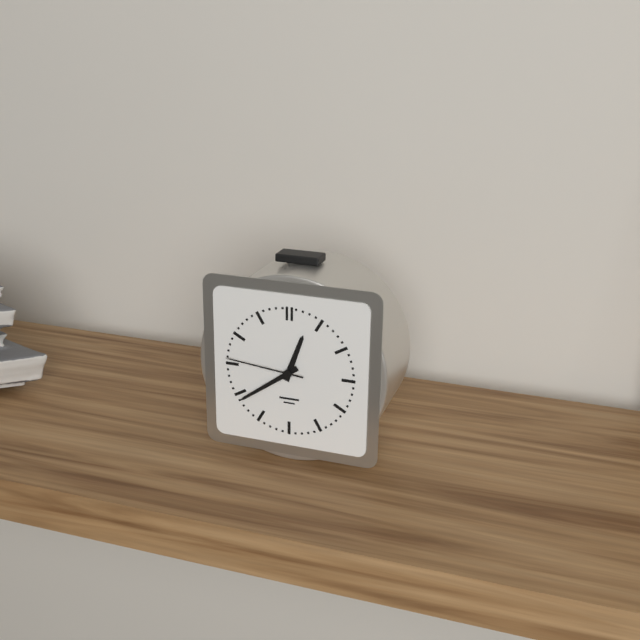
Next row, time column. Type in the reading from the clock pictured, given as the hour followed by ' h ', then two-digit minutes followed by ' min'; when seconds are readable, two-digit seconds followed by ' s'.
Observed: 12 h 39 min 46 s
